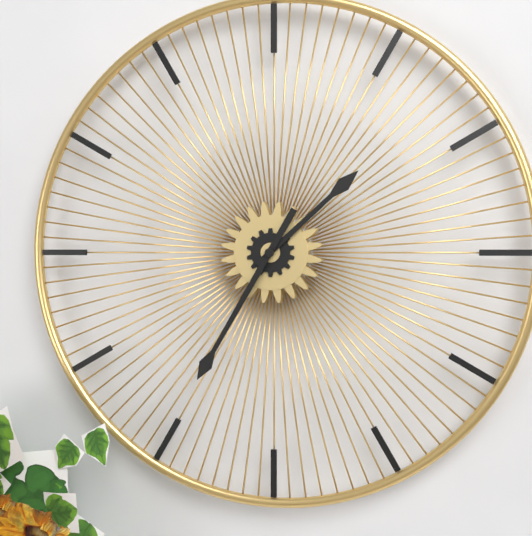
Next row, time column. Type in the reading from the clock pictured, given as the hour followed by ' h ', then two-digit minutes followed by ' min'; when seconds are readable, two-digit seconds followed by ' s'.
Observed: 1 h 35 min
